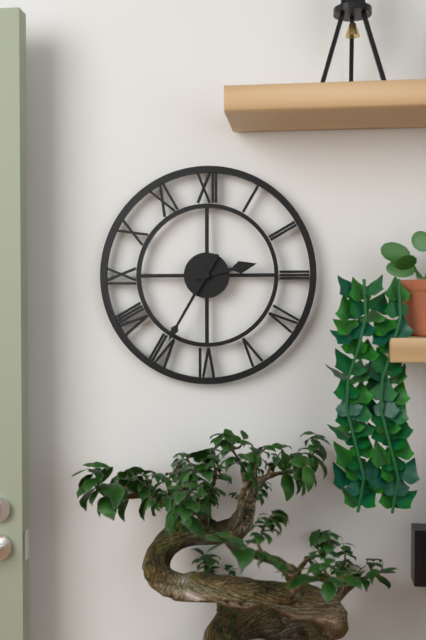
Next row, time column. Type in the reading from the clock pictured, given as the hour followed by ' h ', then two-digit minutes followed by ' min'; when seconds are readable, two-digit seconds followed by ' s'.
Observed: 2 h 35 min
